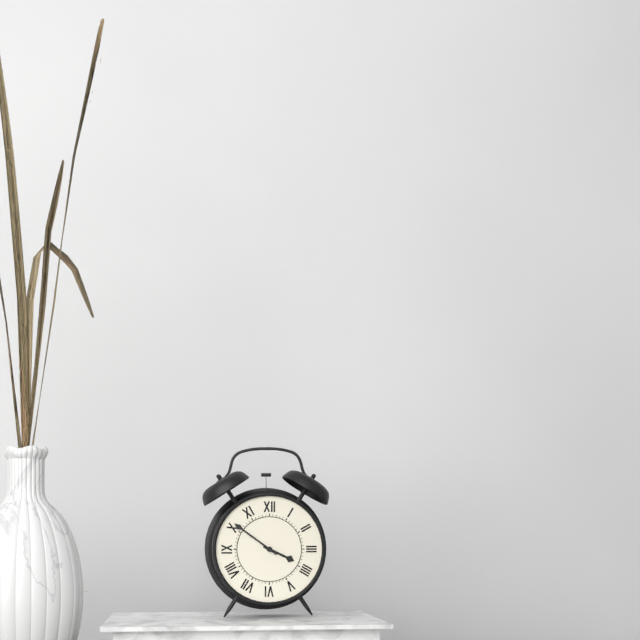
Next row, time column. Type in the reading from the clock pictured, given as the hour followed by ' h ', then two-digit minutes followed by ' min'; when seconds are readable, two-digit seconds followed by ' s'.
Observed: 3 h 51 min
